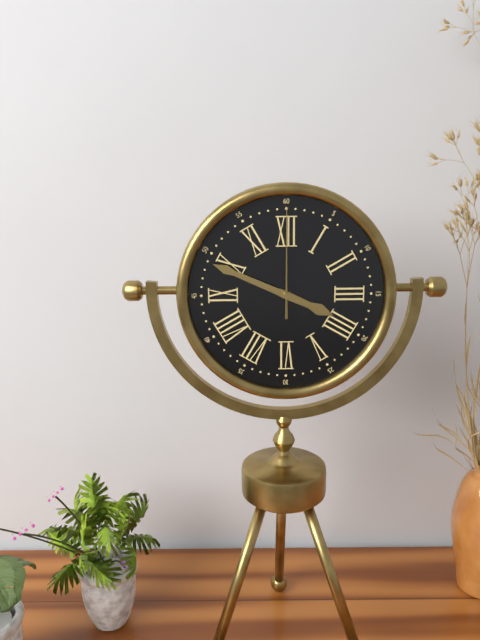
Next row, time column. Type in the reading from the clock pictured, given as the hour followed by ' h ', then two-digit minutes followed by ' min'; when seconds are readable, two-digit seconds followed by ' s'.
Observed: 3 h 49 min 00 s
